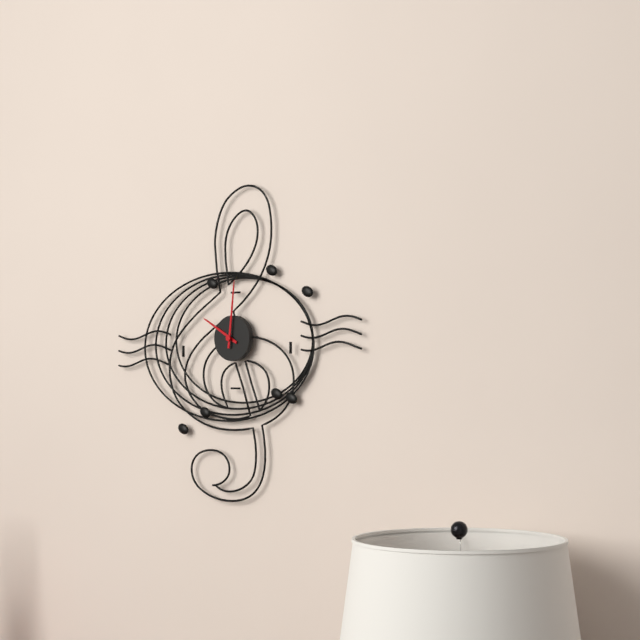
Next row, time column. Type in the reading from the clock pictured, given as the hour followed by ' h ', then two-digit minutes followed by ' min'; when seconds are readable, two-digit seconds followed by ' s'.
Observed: 10 h 01 min
